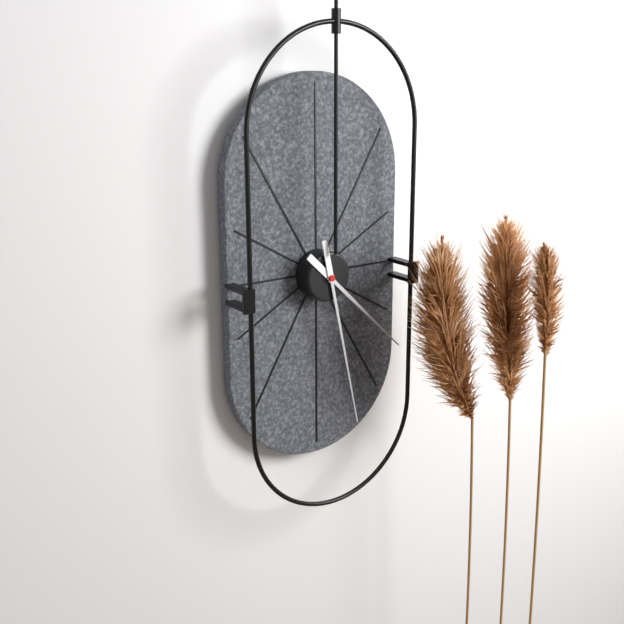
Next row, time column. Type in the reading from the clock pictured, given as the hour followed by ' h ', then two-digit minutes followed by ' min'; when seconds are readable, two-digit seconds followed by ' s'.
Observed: 4 h 28 min
